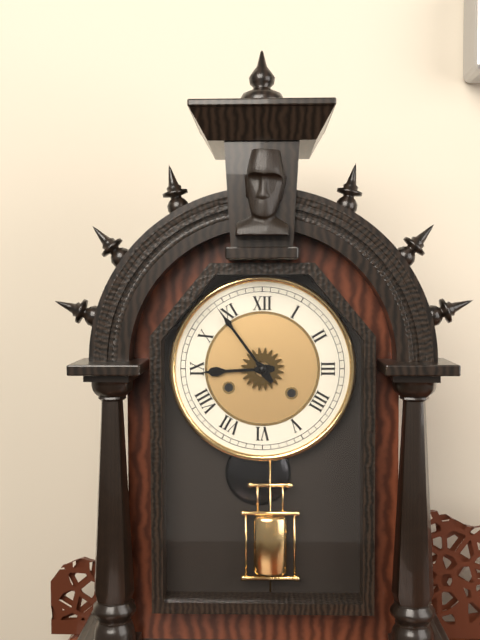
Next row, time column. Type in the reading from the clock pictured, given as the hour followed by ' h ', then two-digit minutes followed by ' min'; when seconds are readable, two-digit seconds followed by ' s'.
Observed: 8 h 54 min
